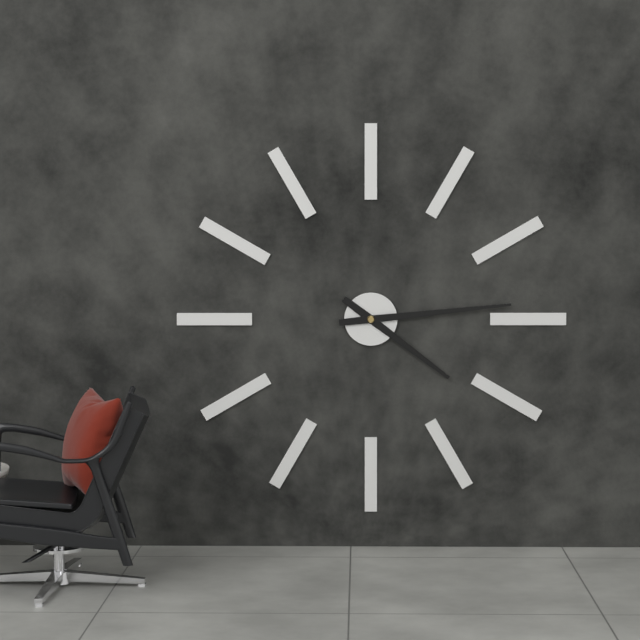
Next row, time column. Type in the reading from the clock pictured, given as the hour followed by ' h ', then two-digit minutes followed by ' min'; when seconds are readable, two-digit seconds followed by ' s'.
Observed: 4 h 14 min
